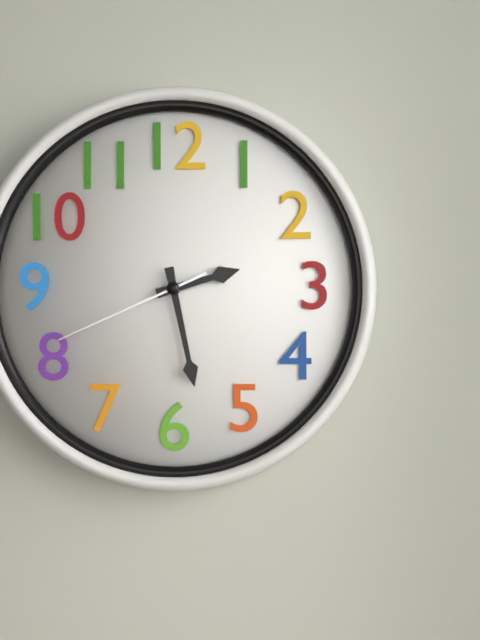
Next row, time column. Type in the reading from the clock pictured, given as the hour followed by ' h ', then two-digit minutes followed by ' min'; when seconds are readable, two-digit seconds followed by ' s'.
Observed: 2 h 28 min 41 s
